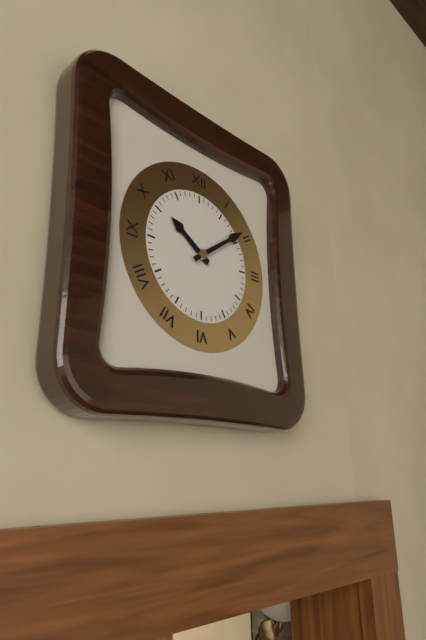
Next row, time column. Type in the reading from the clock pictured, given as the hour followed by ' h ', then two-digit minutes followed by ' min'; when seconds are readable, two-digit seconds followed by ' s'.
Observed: 10 h 09 min
